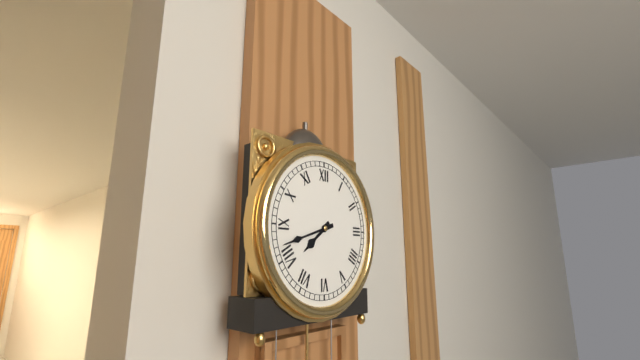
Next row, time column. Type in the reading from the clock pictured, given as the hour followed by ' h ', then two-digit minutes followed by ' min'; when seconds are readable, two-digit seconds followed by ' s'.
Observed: 7 h 42 min
